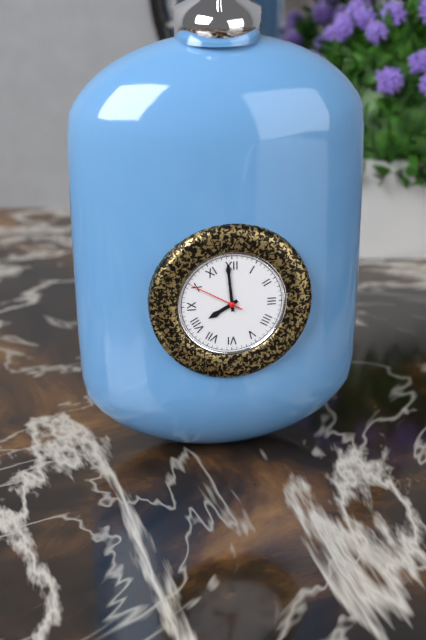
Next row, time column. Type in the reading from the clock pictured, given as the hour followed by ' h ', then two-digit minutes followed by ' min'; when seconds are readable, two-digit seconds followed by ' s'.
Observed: 7 h 59 min 50 s
